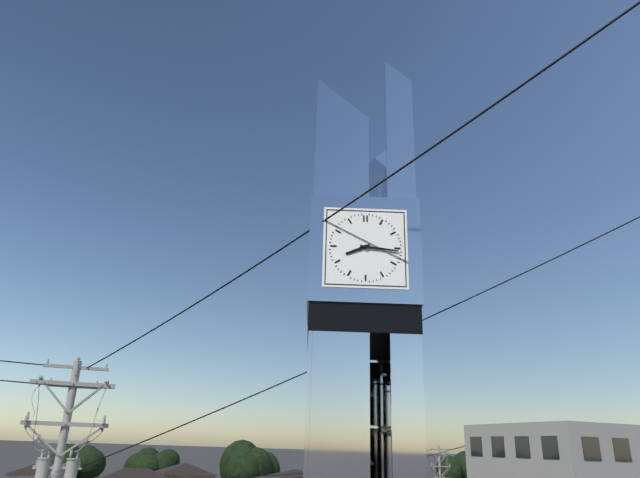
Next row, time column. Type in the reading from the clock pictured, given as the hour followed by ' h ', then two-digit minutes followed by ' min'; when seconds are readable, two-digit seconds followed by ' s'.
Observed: 8 h 16 min
